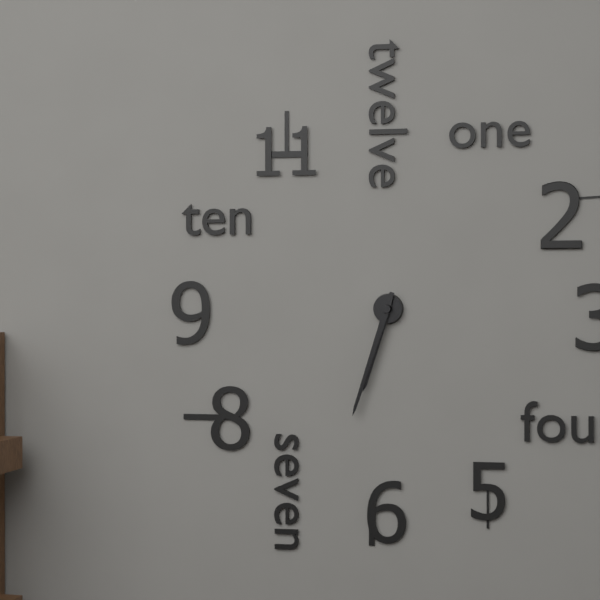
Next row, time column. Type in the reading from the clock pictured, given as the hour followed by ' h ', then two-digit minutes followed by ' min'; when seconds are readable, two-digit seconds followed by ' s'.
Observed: 6 h 33 min
